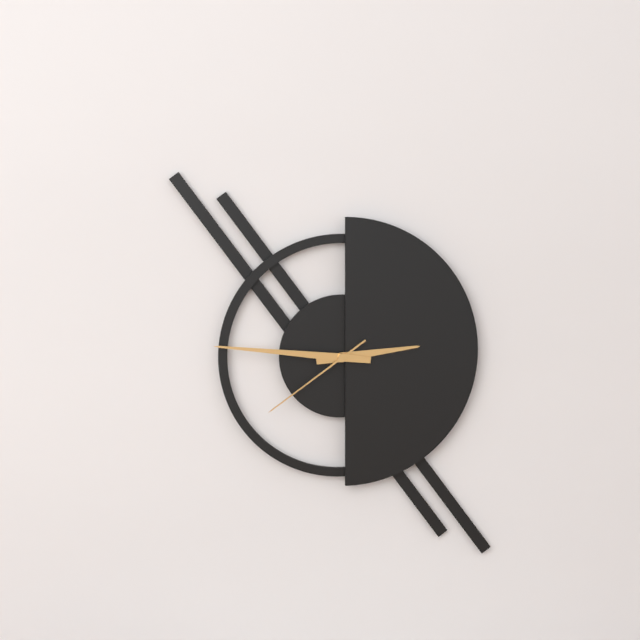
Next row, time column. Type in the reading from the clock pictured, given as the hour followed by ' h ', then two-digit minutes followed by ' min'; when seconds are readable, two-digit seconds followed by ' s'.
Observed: 2 h 46 min 39 s
